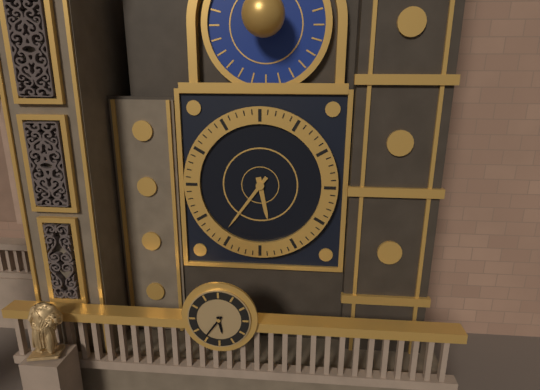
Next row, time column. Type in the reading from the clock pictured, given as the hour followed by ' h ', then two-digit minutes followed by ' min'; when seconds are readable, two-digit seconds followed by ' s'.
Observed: 5 h 36 min
